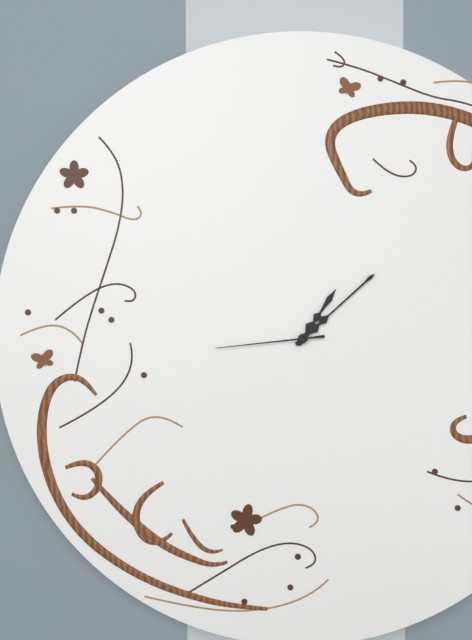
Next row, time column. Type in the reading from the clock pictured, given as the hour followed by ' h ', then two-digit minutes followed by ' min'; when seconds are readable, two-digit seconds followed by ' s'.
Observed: 1 h 08 min 44 s
